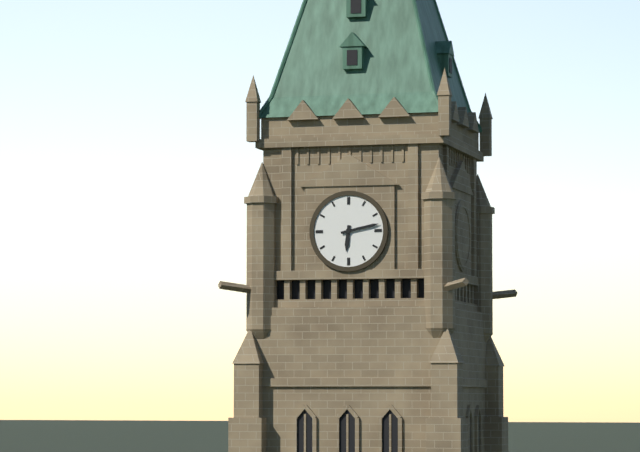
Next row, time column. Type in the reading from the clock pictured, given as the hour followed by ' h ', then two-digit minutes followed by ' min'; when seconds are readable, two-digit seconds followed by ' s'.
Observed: 6 h 13 min
